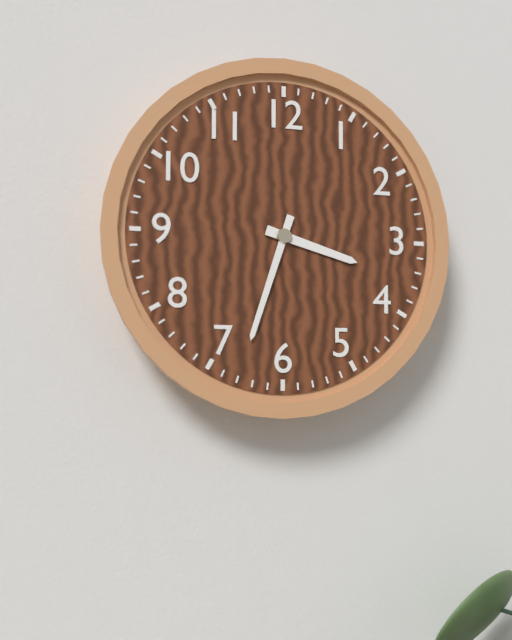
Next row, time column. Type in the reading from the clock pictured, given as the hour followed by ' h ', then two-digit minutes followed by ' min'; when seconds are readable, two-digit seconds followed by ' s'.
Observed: 3 h 33 min
